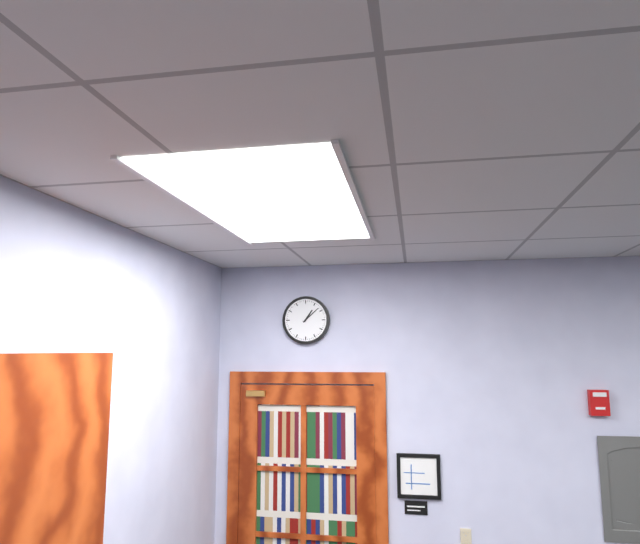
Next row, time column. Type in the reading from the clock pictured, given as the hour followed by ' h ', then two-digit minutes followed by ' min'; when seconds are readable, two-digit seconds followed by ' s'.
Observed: 1 h 08 min
